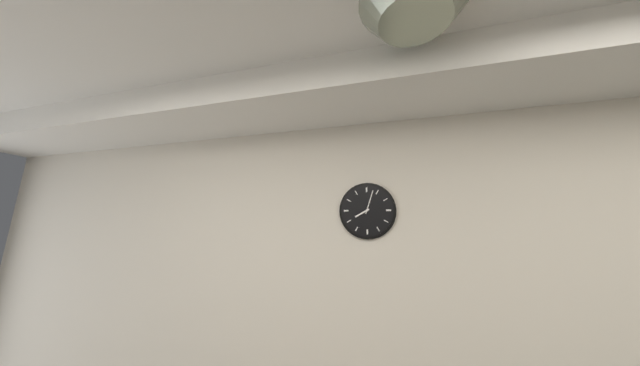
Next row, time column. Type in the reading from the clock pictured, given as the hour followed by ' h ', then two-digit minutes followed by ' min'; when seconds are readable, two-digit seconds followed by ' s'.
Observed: 8 h 03 min
